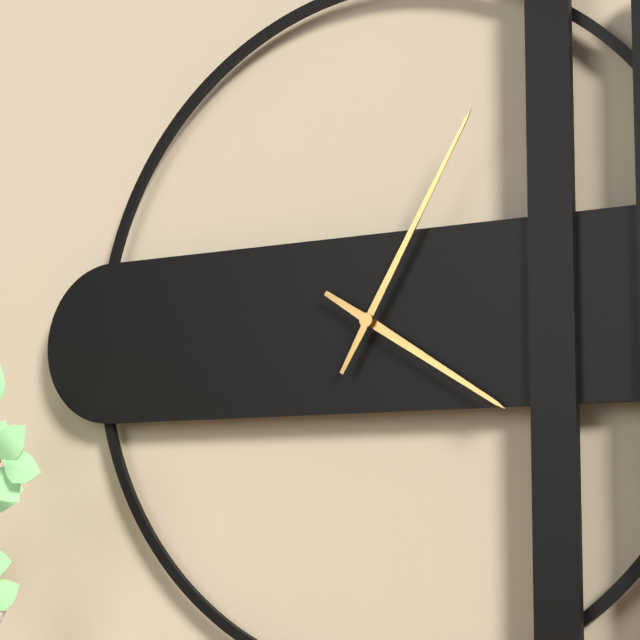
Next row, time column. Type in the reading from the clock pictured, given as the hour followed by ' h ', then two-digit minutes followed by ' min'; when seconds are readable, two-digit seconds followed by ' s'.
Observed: 4 h 05 min
